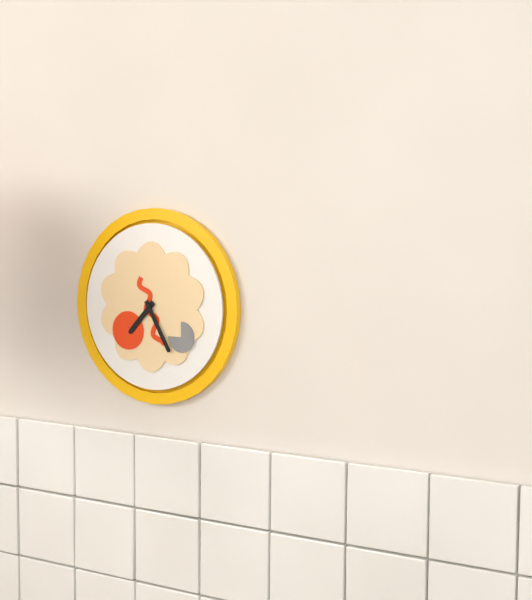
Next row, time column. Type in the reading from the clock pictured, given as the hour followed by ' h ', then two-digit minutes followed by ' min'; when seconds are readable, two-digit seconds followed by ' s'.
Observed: 7 h 25 min
